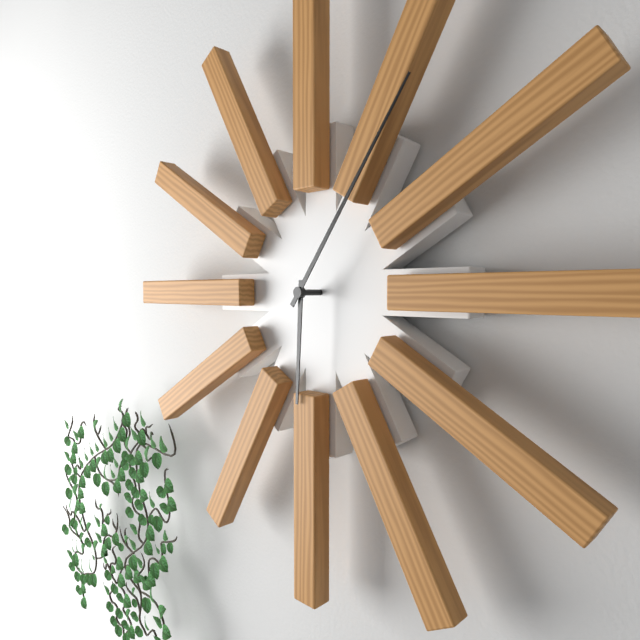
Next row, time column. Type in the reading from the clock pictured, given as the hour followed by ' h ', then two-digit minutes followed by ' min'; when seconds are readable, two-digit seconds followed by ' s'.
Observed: 6 h 06 min
